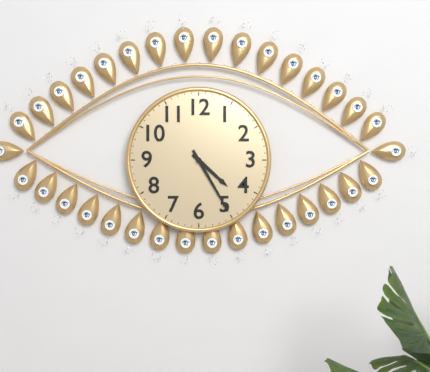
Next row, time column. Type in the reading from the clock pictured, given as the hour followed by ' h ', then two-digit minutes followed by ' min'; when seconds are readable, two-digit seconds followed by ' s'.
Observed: 4 h 25 min
